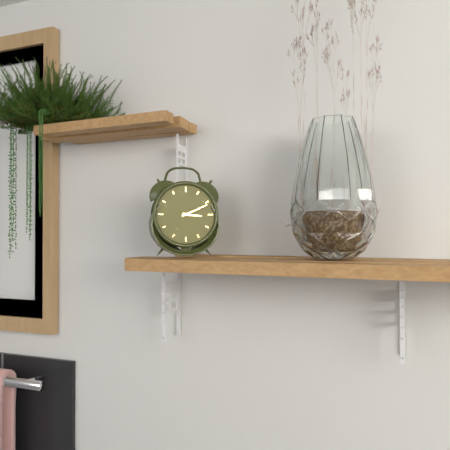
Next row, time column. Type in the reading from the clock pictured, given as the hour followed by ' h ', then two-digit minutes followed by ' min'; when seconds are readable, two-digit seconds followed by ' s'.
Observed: 3 h 11 min
